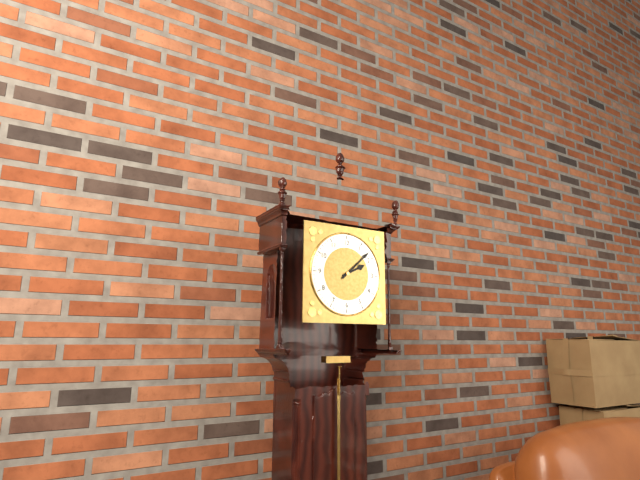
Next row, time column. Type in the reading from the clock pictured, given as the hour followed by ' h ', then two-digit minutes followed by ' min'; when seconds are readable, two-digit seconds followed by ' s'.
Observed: 2 h 08 min
